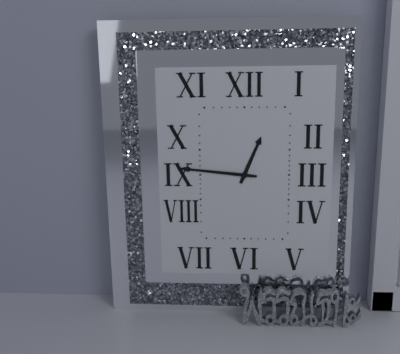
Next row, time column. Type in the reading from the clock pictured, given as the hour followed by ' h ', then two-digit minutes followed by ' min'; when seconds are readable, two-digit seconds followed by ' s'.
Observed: 12 h 46 min
